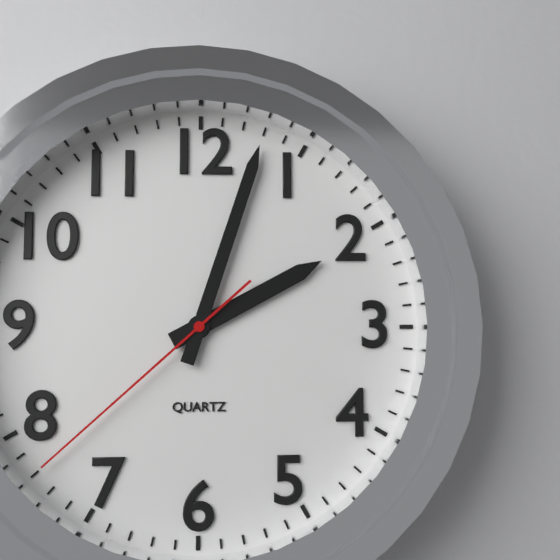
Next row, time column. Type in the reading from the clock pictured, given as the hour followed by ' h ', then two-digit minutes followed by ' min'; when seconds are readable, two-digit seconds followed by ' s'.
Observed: 2 h 03 min 38 s
